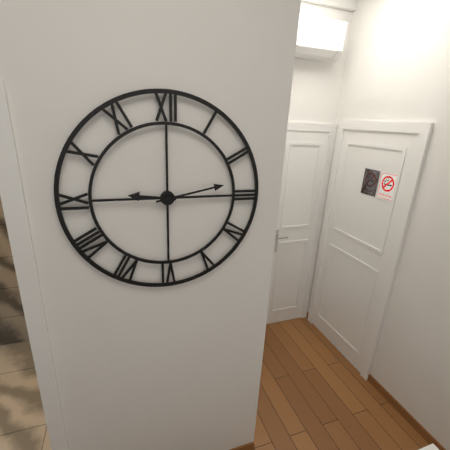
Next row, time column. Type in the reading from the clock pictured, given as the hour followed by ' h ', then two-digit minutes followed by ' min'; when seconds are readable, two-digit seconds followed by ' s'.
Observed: 9 h 13 min
